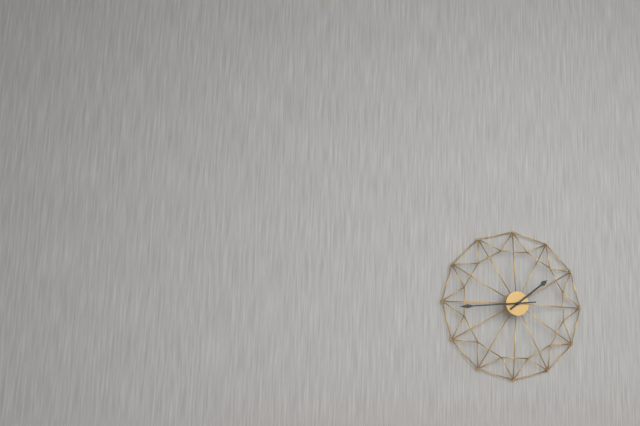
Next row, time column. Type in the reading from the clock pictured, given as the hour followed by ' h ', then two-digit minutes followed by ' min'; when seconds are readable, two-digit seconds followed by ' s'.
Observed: 1 h 44 min
